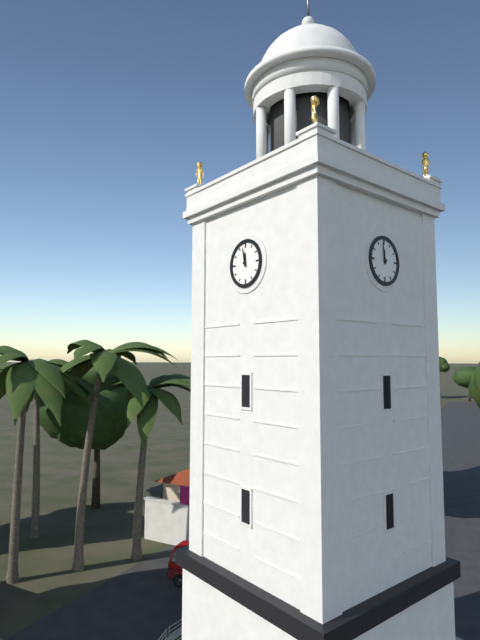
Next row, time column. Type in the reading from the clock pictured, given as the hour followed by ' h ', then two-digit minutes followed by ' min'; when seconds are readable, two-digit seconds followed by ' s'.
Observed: 11 h 58 min
